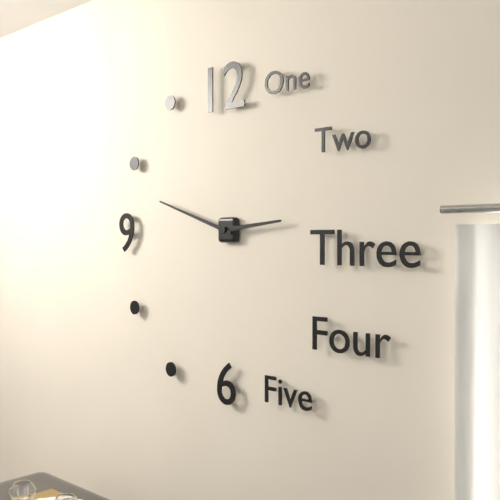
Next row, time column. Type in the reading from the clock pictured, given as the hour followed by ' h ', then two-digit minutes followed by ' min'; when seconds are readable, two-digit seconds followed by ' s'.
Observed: 2 h 48 min
